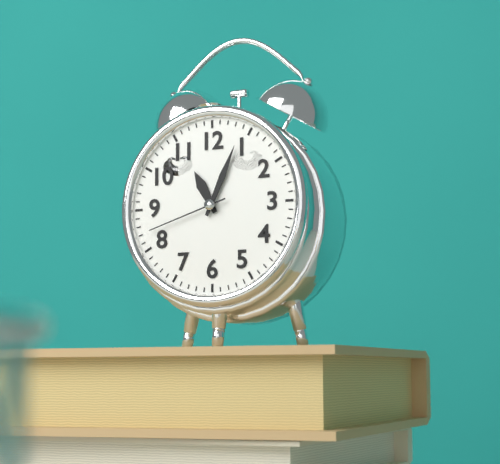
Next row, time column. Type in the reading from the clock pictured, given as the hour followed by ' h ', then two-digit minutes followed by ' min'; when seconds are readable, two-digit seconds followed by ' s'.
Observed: 11 h 04 min 42 s
